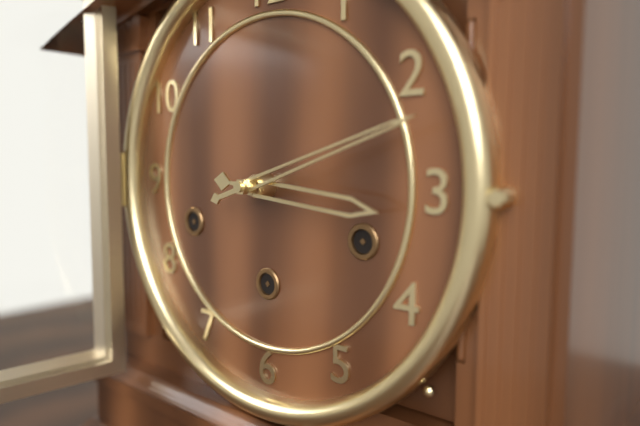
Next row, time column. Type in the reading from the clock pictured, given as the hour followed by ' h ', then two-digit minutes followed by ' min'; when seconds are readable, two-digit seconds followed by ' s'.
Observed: 3 h 12 min
